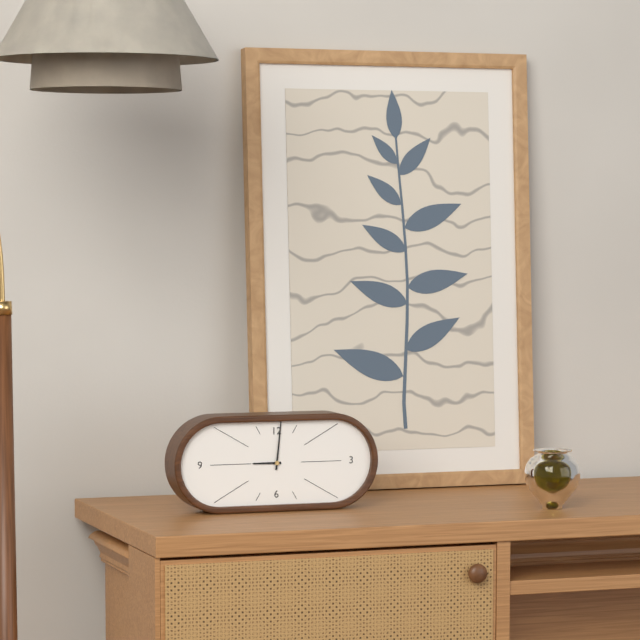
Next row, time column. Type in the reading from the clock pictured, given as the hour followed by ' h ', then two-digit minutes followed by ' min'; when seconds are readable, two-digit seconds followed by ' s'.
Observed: 9 h 01 min
